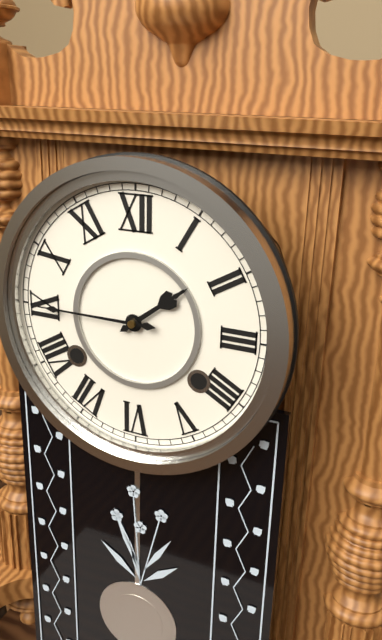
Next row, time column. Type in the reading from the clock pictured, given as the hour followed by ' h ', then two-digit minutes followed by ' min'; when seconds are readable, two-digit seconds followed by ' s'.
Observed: 1 h 45 min
